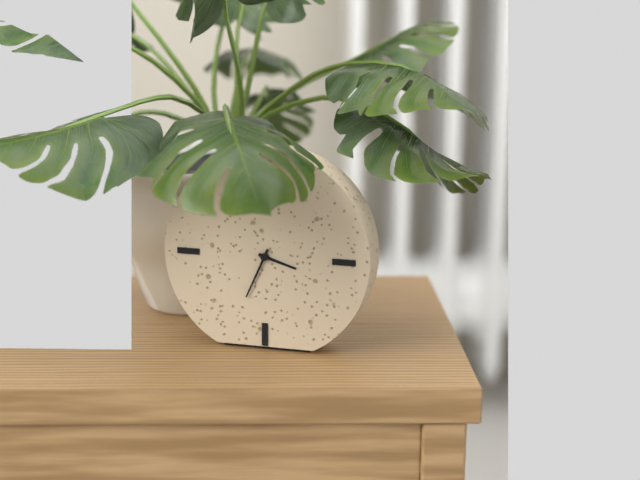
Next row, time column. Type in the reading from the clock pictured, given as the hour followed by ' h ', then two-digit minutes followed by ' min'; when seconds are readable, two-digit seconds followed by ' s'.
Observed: 3 h 34 min
